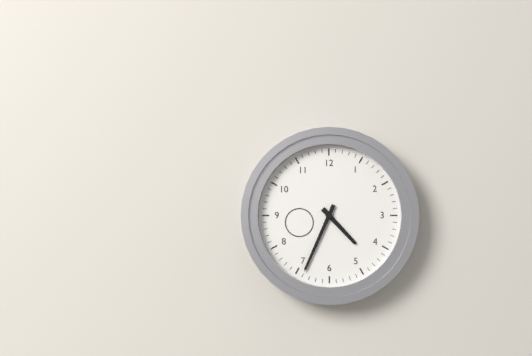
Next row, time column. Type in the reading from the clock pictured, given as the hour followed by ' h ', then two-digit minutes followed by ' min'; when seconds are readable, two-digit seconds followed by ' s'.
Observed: 4 h 34 min
